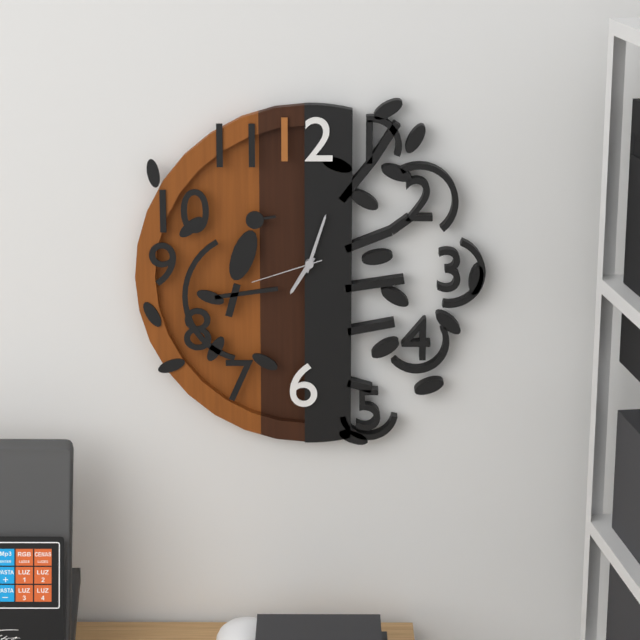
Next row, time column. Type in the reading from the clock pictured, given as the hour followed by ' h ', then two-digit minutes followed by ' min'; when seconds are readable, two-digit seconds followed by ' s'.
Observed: 7 h 03 min 42 s
